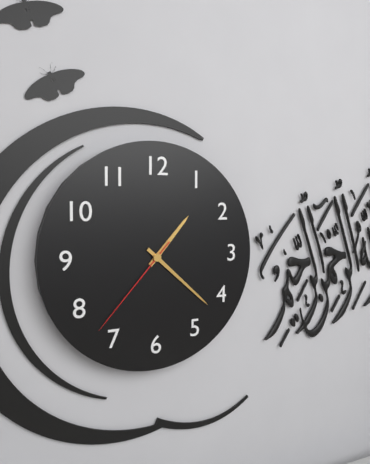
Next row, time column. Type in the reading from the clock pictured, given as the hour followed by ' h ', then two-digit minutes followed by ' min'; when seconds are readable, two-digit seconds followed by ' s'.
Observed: 1 h 22 min 37 s
